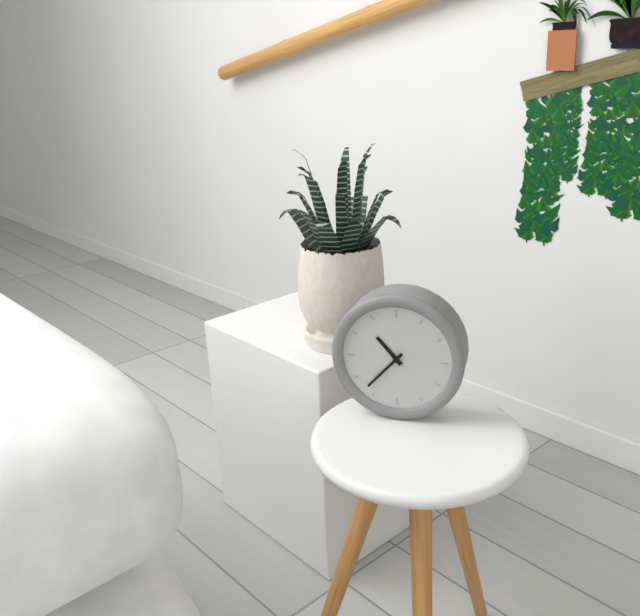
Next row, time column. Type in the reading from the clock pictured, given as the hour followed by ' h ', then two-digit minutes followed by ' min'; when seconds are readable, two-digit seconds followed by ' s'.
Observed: 10 h 37 min
